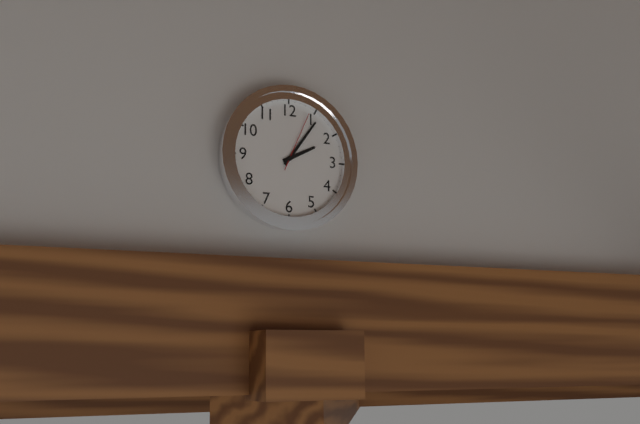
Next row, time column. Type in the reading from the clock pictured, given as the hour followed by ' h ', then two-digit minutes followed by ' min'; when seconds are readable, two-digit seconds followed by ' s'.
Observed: 2 h 06 min 04 s
